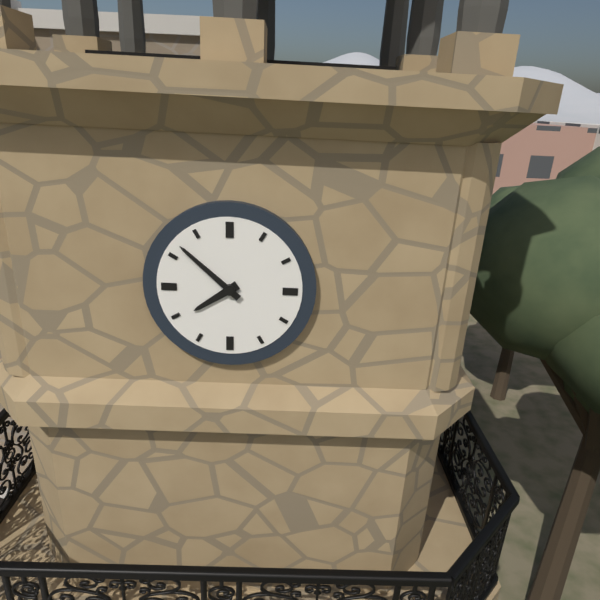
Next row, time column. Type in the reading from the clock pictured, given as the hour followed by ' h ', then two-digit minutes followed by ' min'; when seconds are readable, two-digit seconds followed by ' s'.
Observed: 7 h 52 min
